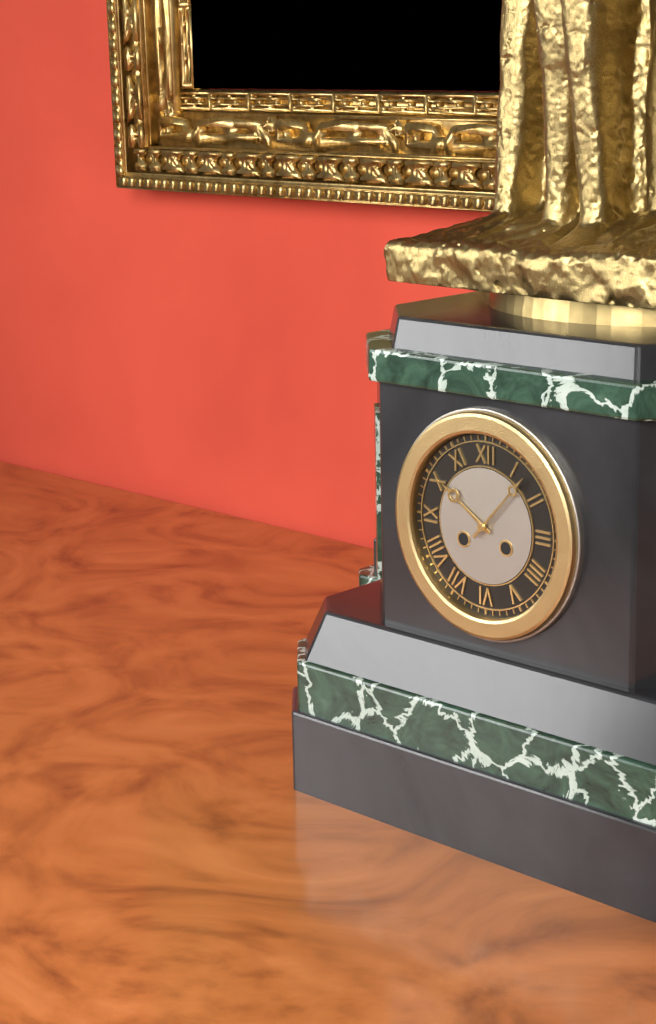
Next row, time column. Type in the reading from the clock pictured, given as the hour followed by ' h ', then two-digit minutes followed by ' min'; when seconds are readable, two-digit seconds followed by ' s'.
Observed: 10 h 07 min
